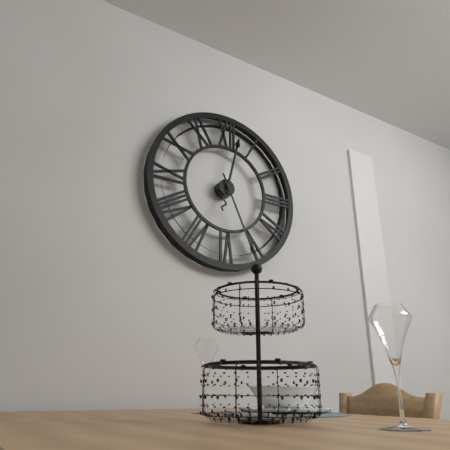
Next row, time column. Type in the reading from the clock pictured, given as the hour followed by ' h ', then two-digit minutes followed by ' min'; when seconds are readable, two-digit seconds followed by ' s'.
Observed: 12 h 26 min
